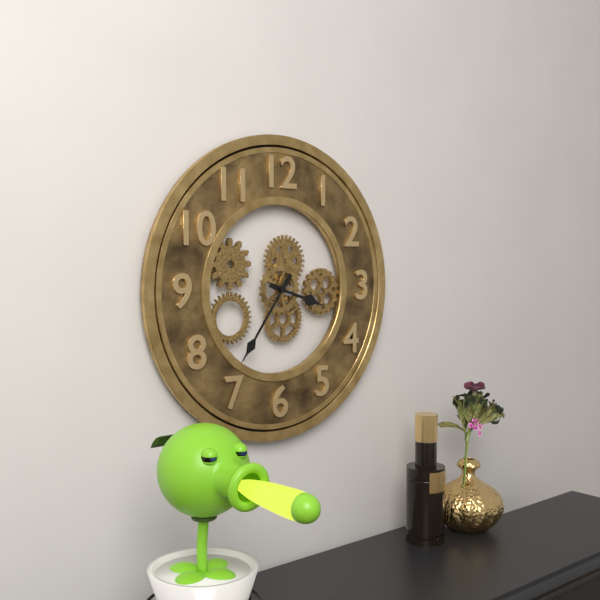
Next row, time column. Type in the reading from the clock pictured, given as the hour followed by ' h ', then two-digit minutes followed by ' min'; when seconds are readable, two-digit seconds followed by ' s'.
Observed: 3 h 36 min
